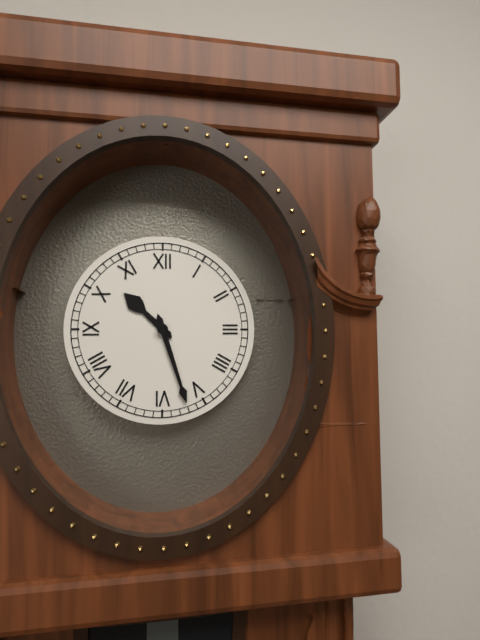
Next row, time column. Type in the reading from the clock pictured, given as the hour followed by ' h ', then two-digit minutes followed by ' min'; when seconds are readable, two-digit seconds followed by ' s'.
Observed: 10 h 27 min
